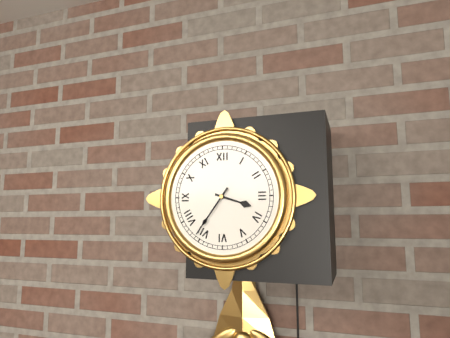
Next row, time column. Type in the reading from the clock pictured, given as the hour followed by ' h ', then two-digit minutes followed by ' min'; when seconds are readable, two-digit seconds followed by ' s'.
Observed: 3 h 36 min
